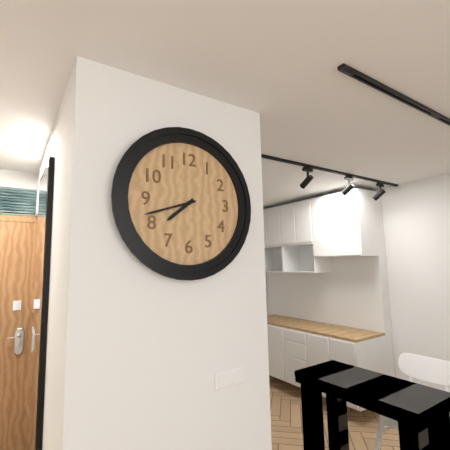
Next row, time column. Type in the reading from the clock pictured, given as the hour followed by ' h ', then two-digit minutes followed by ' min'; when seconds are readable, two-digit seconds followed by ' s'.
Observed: 7 h 42 min
